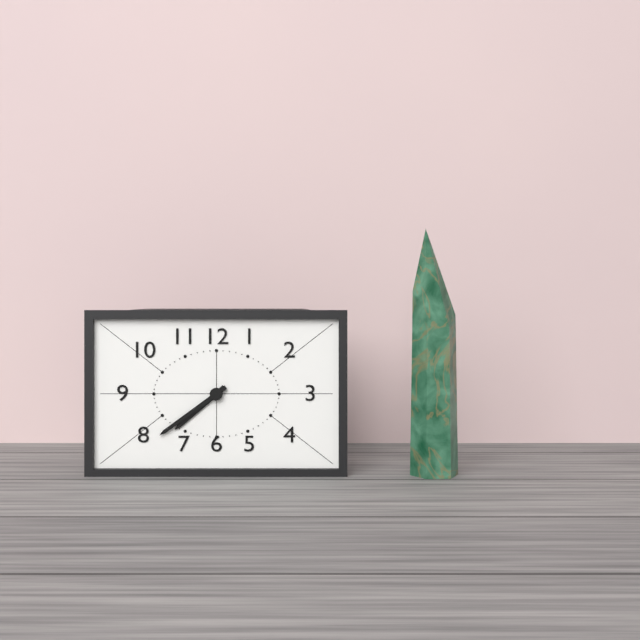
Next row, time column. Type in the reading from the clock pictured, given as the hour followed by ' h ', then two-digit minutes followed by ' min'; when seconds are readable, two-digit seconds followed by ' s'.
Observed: 7 h 39 min
